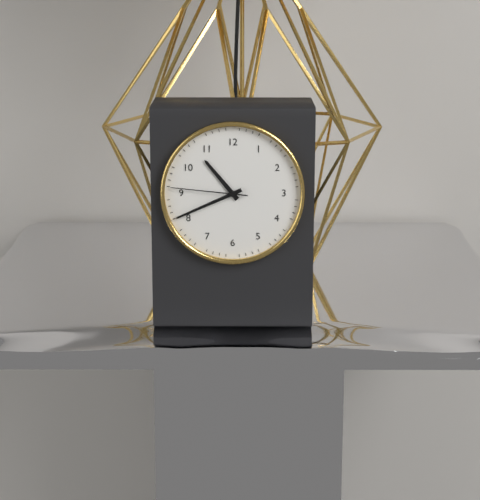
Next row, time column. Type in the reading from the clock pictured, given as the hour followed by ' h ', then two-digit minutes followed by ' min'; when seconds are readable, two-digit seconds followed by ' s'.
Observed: 10 h 41 min 46 s
